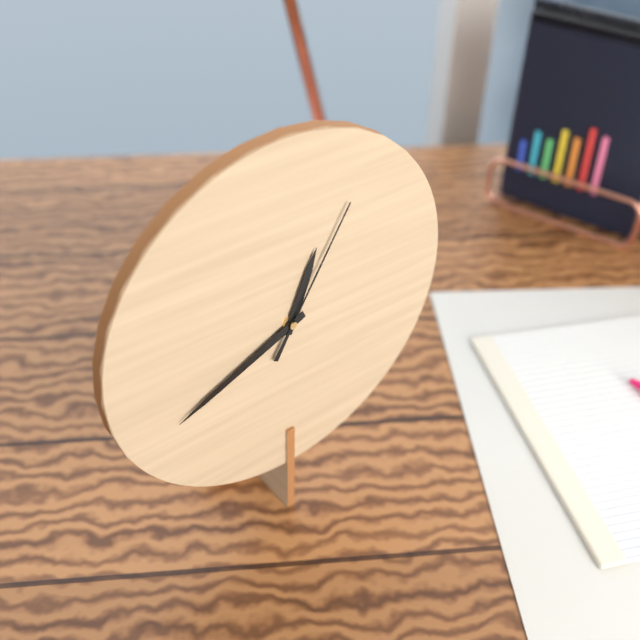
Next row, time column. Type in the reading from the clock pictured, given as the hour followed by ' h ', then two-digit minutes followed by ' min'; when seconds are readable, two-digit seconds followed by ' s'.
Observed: 12 h 41 min 05 s
